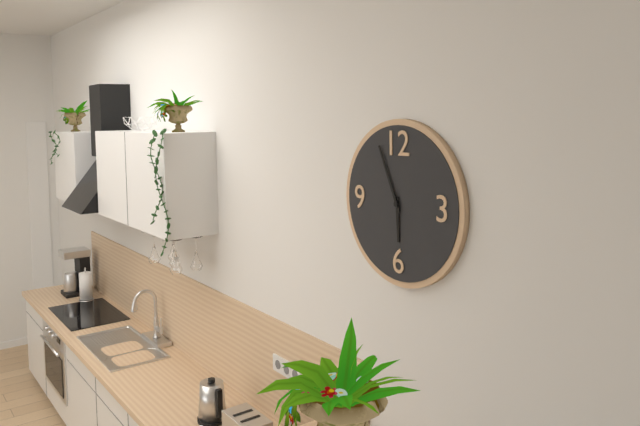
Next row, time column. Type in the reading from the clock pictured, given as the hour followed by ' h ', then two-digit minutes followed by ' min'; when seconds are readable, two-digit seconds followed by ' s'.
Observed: 5 h 56 min
